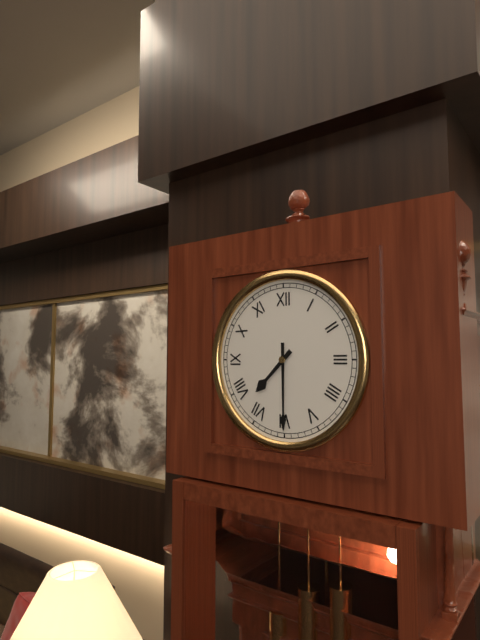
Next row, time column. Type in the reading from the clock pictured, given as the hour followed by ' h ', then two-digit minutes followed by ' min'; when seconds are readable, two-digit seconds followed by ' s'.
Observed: 7 h 30 min
